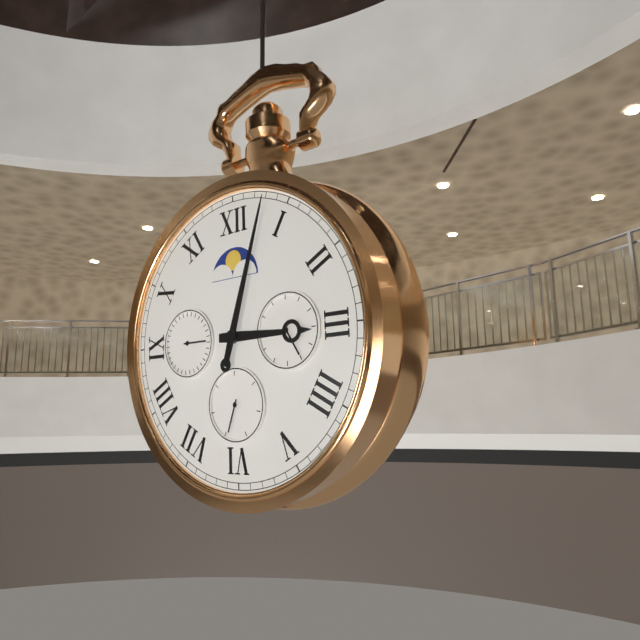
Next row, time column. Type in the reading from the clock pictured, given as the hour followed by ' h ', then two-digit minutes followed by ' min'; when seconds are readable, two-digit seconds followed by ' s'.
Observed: 3 h 03 min
